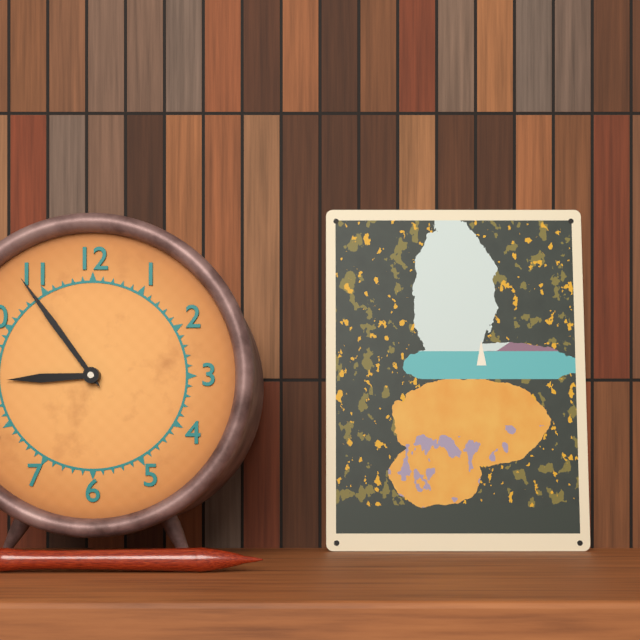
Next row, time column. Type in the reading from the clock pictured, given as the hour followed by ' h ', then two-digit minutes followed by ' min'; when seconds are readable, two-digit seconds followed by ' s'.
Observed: 8 h 54 min
